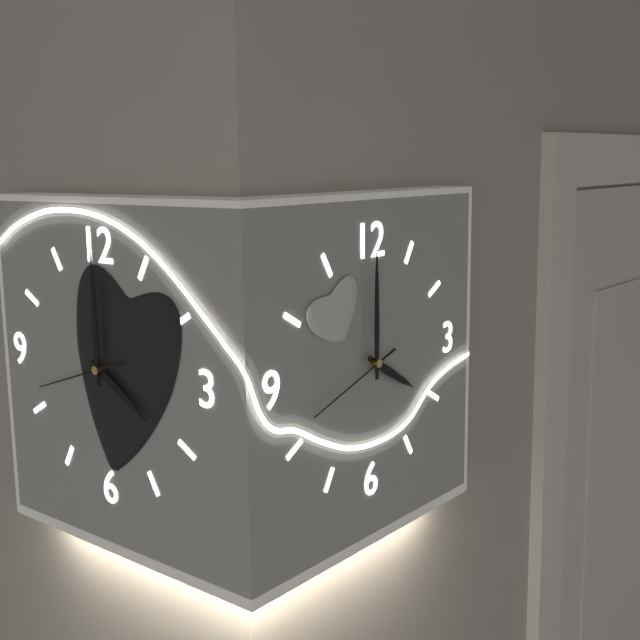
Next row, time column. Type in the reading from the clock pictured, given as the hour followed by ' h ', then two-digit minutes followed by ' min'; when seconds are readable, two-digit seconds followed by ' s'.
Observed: 4 h 00 min 42 s
